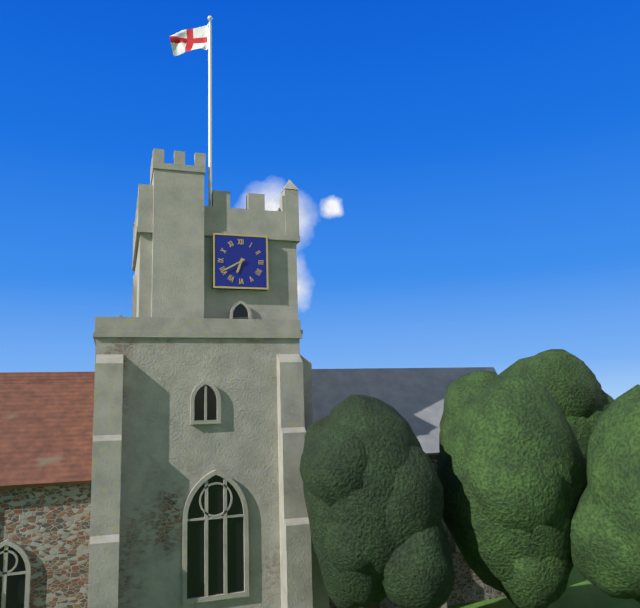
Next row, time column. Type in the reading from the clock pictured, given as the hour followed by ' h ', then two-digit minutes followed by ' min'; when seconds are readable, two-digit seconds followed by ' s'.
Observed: 6 h 40 min
